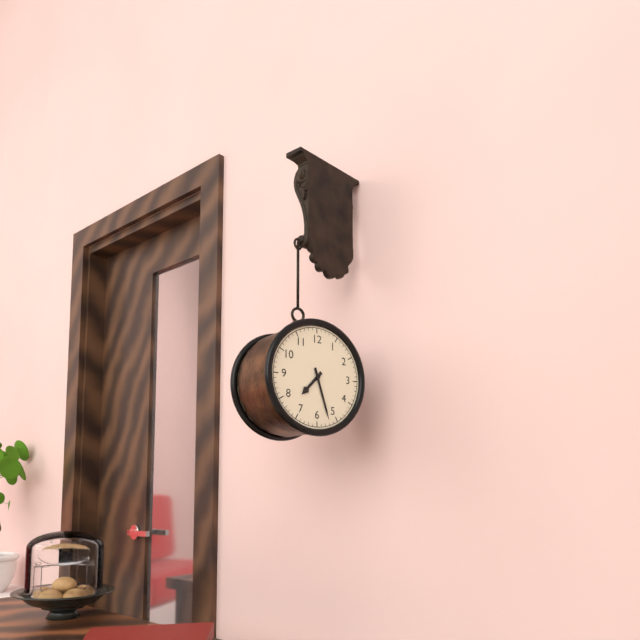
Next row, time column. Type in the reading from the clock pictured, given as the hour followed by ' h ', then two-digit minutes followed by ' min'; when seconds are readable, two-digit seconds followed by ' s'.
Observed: 7 h 27 min
